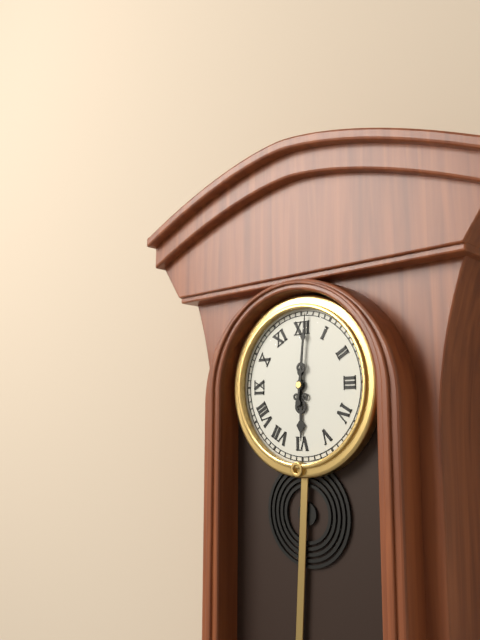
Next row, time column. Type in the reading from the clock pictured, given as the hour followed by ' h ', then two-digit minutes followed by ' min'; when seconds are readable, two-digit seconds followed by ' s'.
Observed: 6 h 01 min
